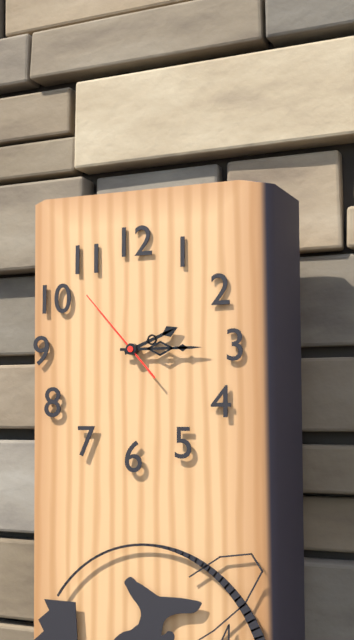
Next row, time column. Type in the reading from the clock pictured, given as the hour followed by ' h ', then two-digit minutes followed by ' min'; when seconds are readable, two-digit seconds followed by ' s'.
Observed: 2 h 15 min 53 s
